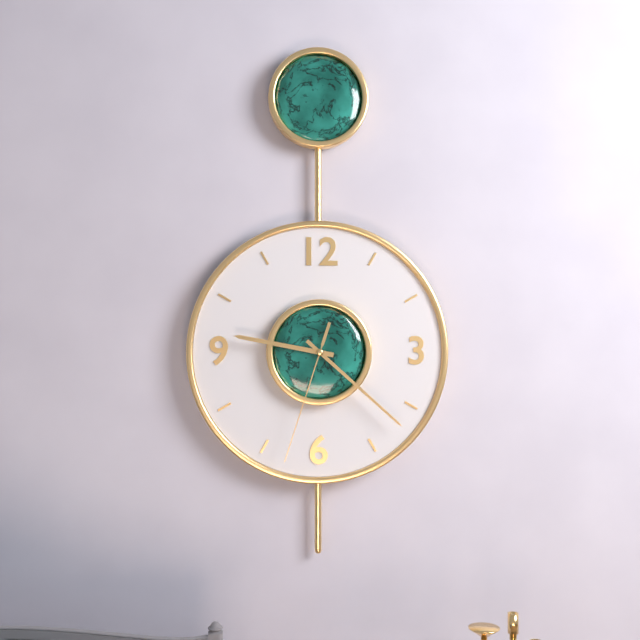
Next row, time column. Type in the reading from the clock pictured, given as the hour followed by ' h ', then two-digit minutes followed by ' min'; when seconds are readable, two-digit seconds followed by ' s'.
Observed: 9 h 22 min 33 s
